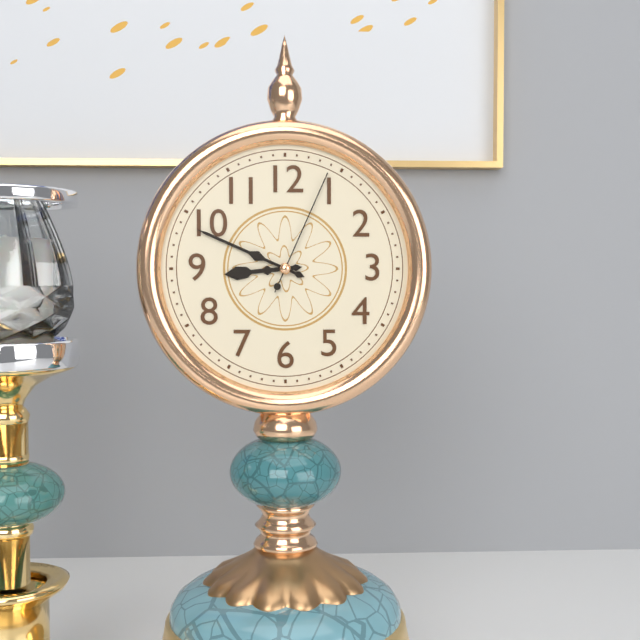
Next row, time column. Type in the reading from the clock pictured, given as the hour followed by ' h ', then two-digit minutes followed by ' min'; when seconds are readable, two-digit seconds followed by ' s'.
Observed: 8 h 49 min 04 s
